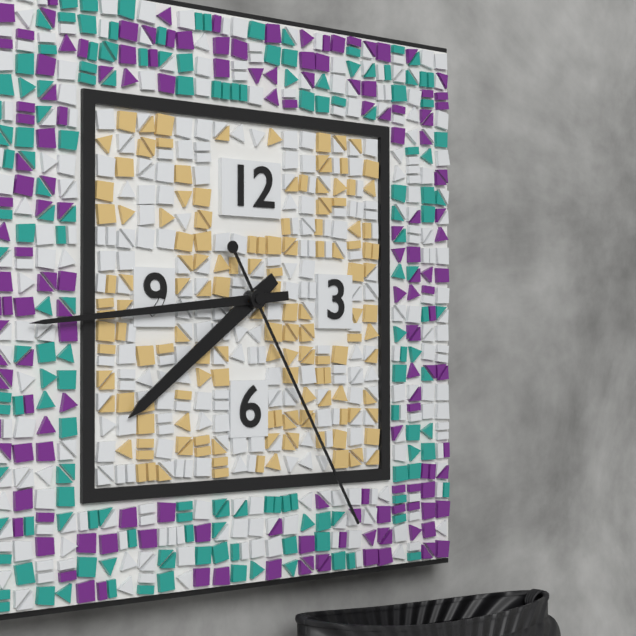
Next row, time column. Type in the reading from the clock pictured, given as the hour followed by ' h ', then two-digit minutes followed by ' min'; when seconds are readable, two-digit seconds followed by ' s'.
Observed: 7 h 44 min 25 s
